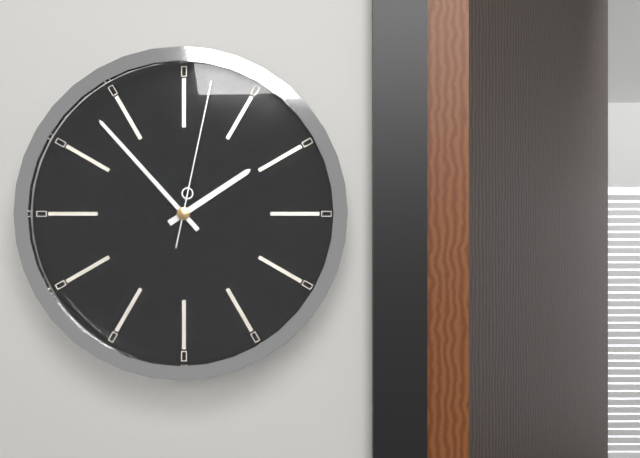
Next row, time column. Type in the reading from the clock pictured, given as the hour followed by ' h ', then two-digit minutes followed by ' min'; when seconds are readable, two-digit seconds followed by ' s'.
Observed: 1 h 53 min 02 s
